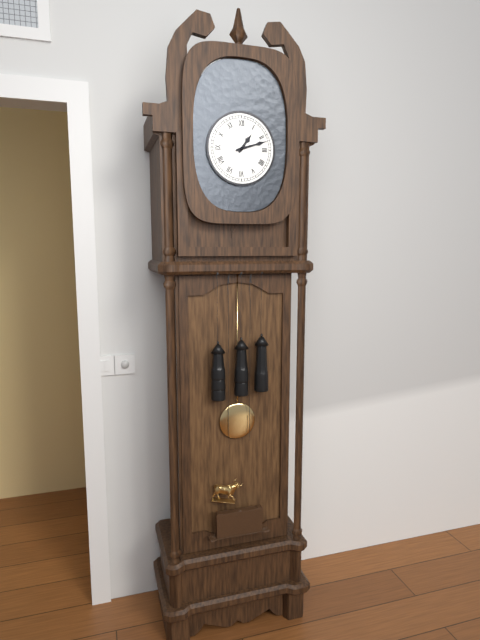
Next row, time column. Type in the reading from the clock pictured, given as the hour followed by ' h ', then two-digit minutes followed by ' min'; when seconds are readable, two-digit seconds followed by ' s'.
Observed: 1 h 12 min
